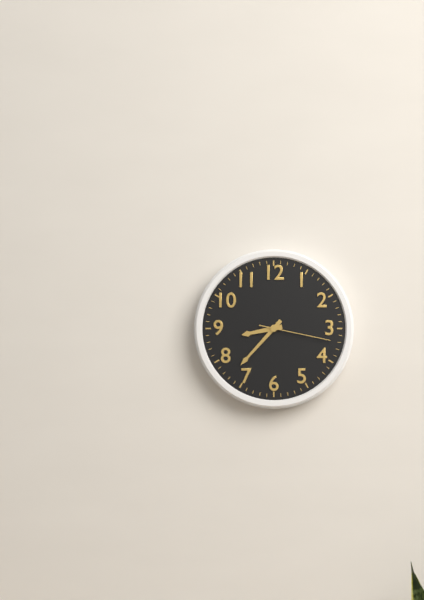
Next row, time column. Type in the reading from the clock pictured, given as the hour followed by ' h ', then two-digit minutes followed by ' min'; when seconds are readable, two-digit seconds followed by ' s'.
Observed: 8 h 37 min 17 s
